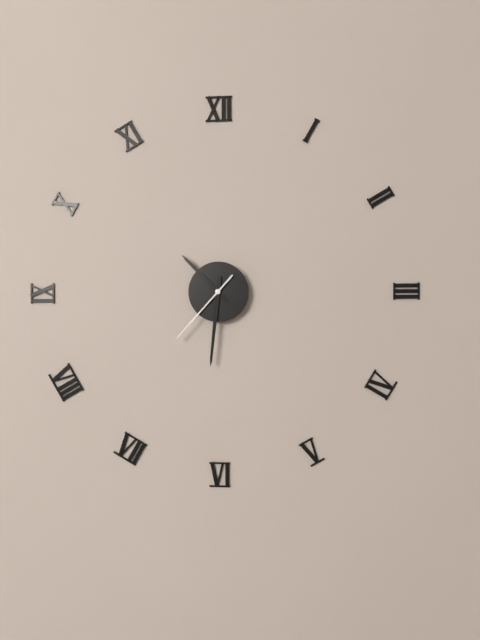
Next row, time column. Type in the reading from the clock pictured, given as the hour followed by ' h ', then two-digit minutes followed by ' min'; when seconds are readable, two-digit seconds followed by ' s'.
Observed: 10 h 31 min 37 s
